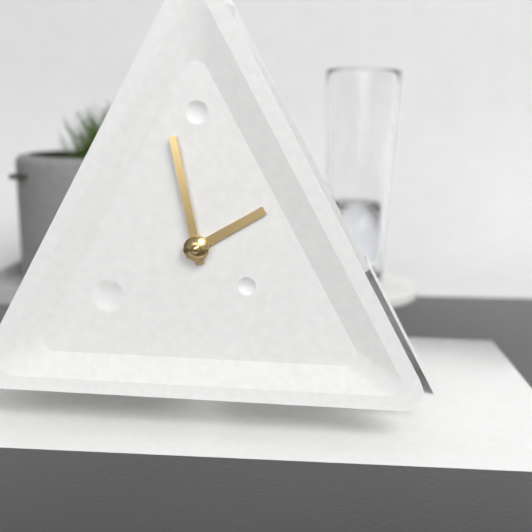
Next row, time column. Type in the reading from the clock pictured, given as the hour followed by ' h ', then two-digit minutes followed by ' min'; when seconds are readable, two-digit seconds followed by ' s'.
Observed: 1 h 58 min
